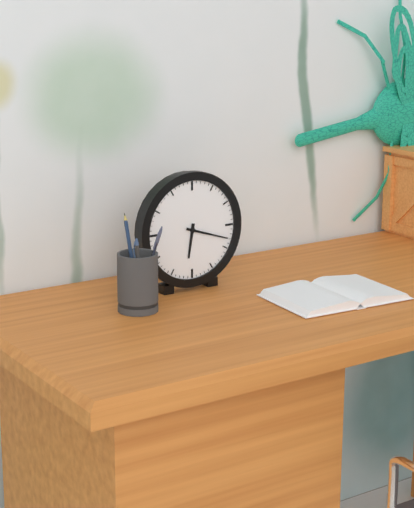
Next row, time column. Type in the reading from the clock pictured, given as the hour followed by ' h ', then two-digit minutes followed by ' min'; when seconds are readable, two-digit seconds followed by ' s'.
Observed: 6 h 18 min
